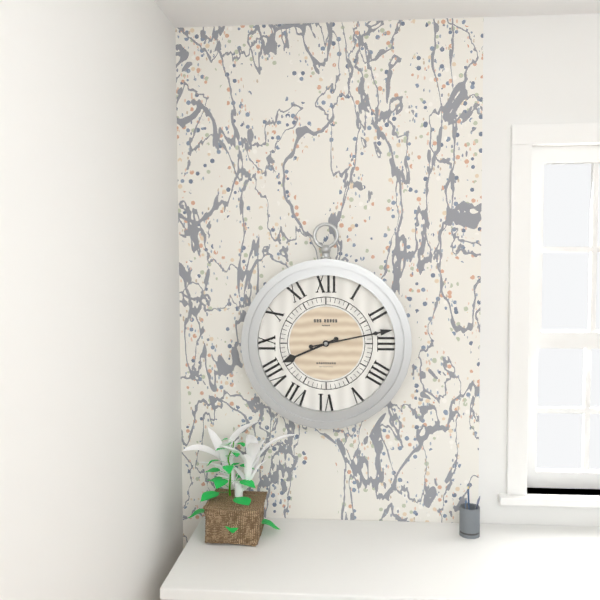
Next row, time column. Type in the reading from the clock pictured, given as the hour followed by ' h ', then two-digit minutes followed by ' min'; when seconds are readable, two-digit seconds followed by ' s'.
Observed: 8 h 13 min
